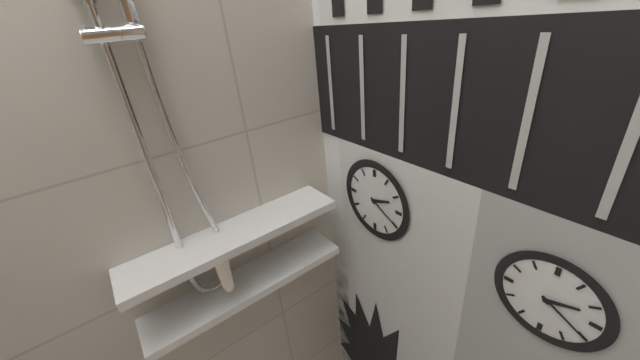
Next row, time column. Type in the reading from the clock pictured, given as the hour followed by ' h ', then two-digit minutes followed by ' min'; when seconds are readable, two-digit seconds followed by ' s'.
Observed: 2 h 20 min
